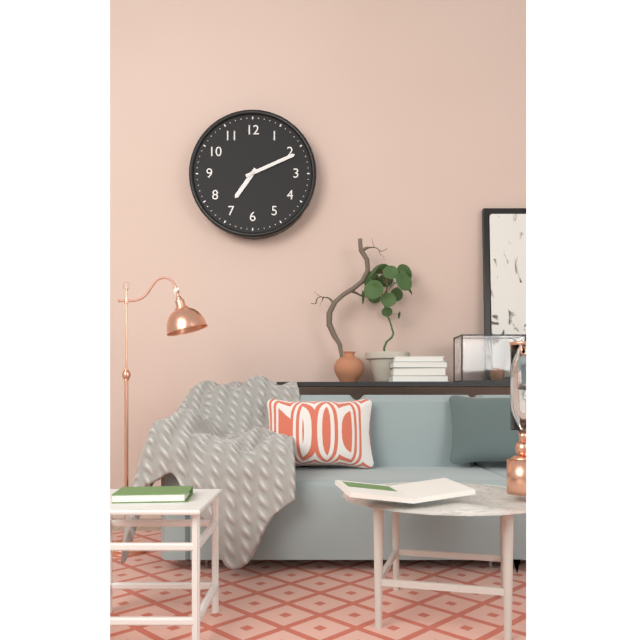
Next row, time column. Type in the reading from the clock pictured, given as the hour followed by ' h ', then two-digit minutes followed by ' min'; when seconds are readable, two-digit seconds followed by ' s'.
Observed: 7 h 11 min
